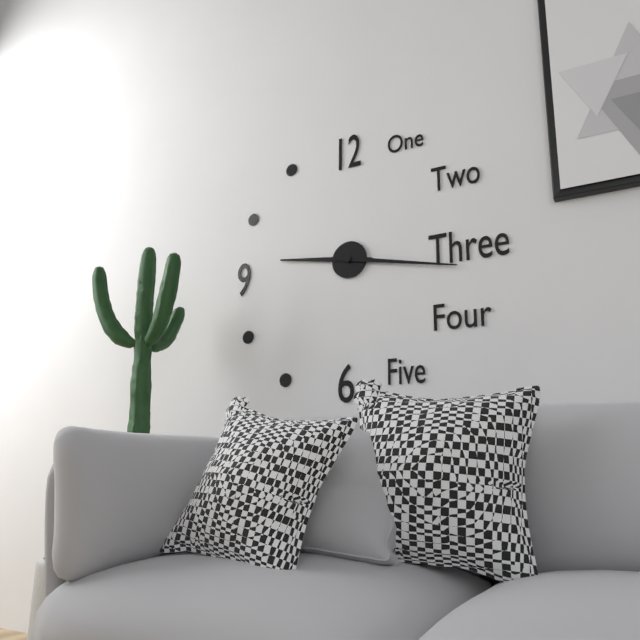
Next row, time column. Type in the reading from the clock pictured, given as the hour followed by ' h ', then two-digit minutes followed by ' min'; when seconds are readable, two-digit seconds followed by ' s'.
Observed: 9 h 17 min
